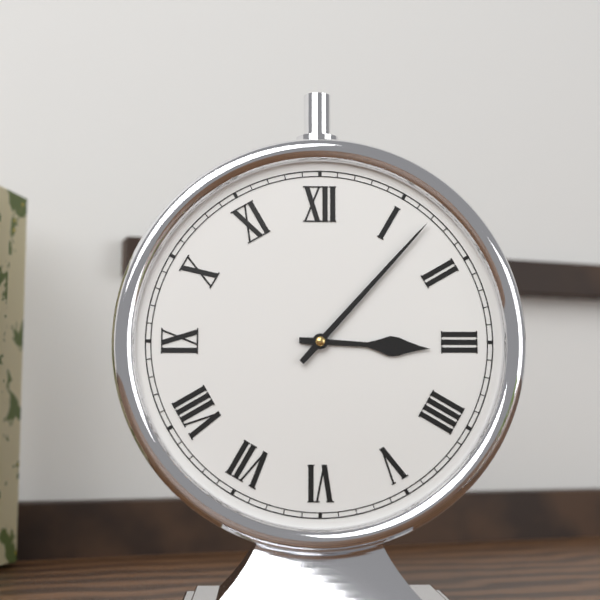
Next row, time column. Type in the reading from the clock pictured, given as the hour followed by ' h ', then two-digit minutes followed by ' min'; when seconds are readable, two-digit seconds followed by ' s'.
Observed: 3 h 07 min
